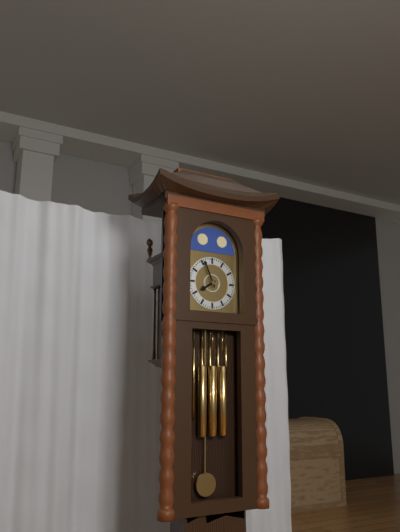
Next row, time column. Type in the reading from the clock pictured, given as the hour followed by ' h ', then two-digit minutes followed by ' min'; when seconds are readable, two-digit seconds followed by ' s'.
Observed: 7 h 56 min
